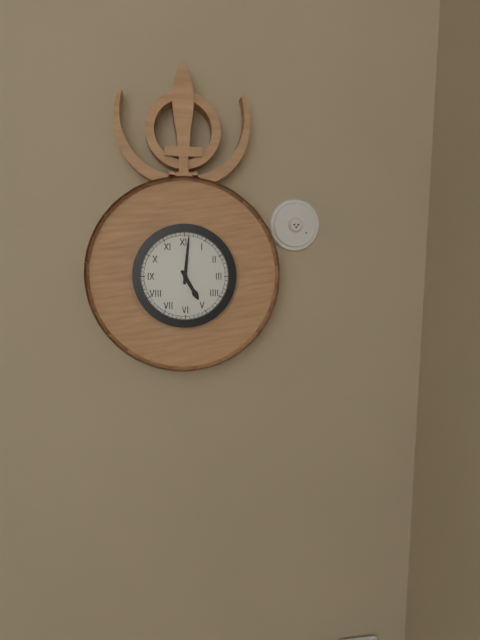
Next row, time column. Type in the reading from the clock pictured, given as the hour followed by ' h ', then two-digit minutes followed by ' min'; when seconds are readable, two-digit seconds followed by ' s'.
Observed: 5 h 01 min
